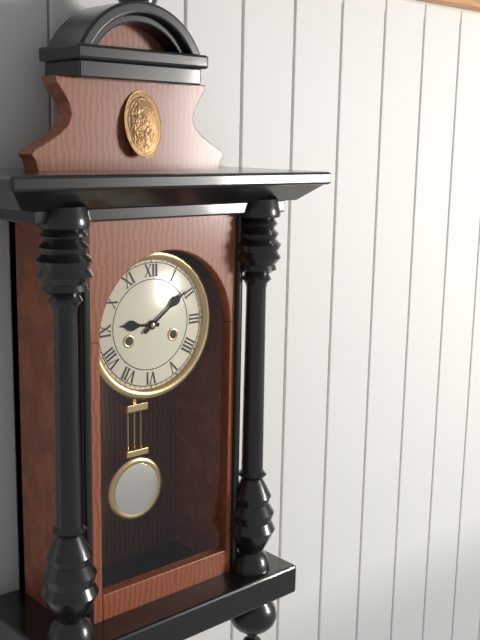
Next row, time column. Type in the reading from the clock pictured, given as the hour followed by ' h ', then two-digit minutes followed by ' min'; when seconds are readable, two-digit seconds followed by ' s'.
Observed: 9 h 09 min
